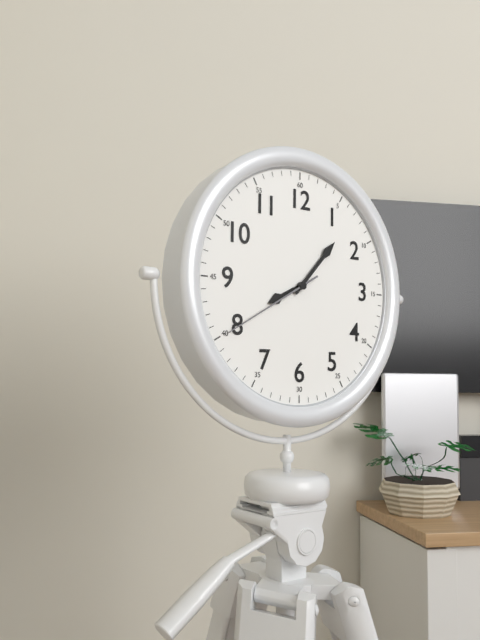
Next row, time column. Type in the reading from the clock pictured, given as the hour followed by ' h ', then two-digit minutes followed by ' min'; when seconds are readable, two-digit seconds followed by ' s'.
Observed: 8 h 07 min 40 s
